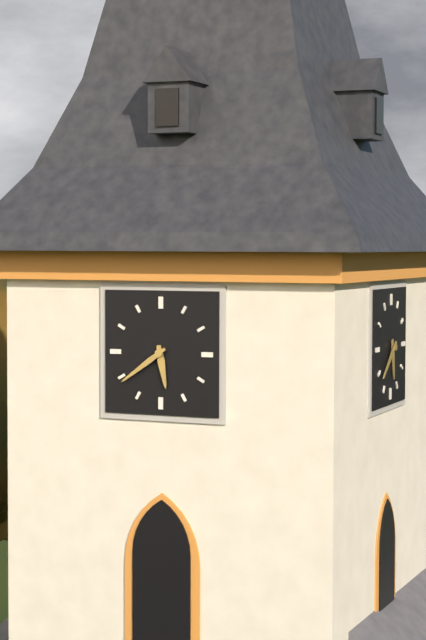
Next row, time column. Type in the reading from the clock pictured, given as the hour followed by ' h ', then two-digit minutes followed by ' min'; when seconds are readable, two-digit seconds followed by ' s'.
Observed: 5 h 39 min
